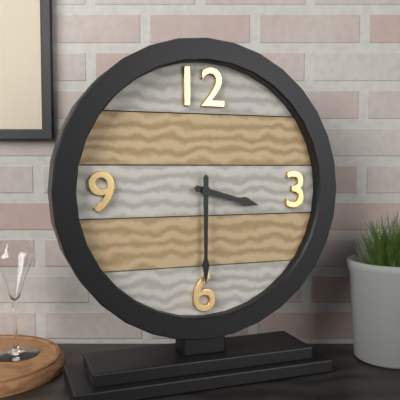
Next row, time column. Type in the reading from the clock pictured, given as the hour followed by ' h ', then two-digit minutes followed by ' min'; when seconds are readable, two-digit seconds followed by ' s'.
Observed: 3 h 30 min
